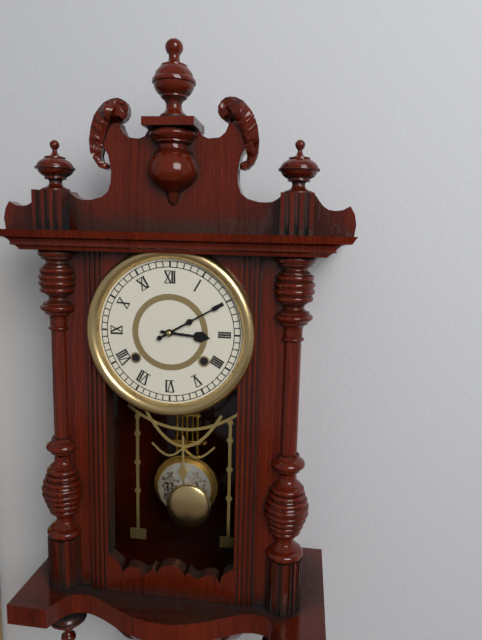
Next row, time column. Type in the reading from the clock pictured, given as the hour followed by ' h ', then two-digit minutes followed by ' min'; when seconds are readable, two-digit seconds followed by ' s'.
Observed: 3 h 10 min
